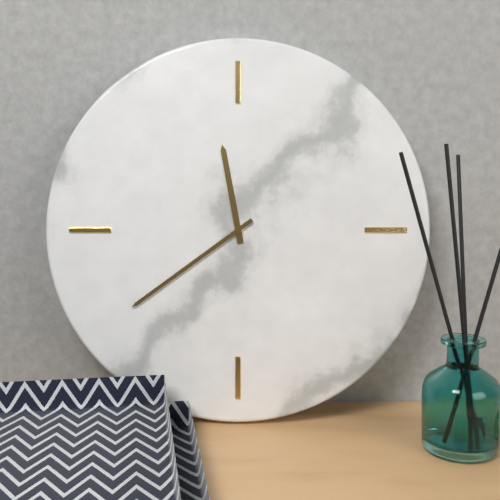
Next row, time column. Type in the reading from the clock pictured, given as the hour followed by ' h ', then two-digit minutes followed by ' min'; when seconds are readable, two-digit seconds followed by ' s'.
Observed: 11 h 39 min
